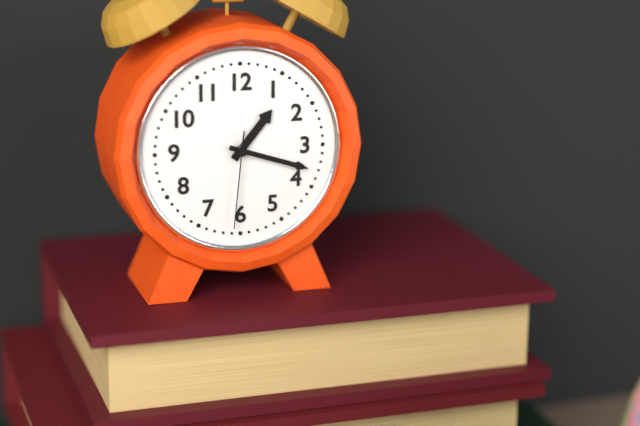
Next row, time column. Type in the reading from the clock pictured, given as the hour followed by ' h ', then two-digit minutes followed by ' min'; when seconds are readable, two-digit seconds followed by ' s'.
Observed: 1 h 18 min 31 s
